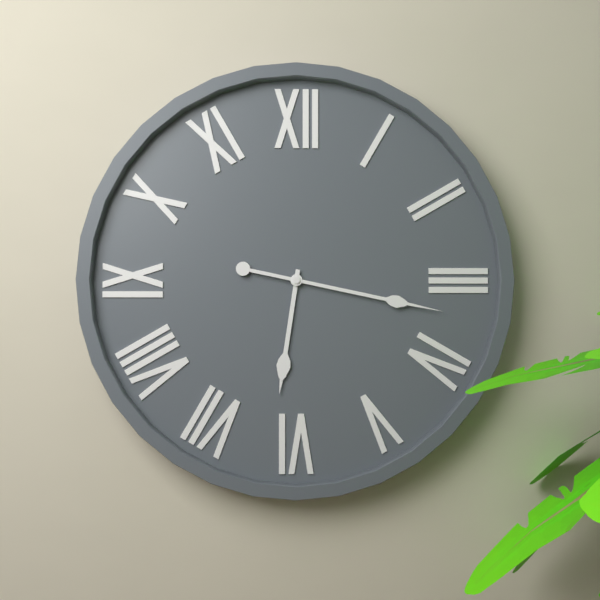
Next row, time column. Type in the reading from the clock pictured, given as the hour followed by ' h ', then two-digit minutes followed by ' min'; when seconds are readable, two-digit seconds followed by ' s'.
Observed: 6 h 17 min
